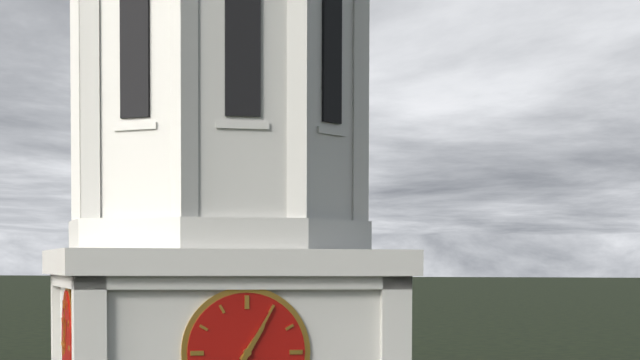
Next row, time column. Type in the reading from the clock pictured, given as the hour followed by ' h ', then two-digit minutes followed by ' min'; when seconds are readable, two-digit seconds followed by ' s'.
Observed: 1 h 05 min
